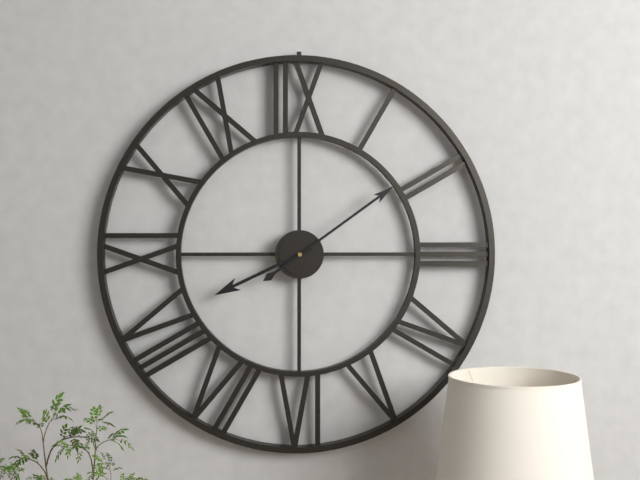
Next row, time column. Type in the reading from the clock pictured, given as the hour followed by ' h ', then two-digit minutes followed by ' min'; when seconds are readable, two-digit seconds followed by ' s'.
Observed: 8 h 09 min
